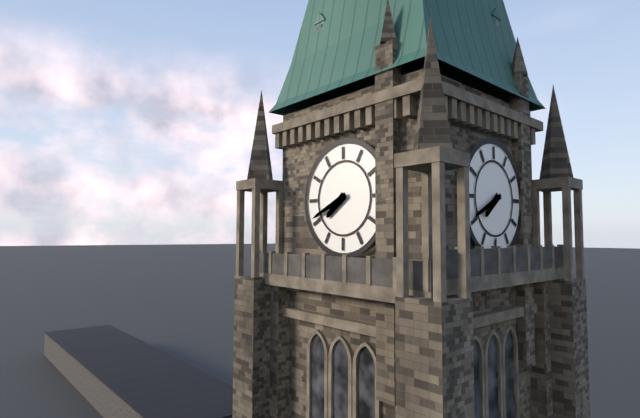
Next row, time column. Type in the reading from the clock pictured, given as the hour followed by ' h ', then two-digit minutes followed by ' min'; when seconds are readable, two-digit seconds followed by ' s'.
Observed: 7 h 41 min
